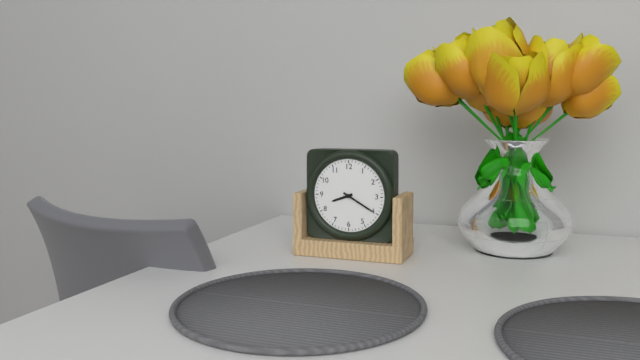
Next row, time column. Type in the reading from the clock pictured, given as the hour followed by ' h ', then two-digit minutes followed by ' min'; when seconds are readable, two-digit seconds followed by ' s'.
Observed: 8 h 20 min
